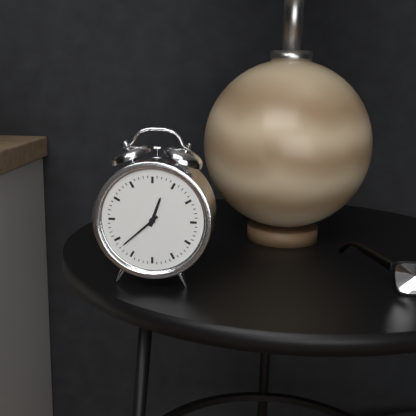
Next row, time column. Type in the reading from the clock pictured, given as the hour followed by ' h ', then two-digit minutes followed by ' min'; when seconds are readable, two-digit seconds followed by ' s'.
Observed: 12 h 38 min
